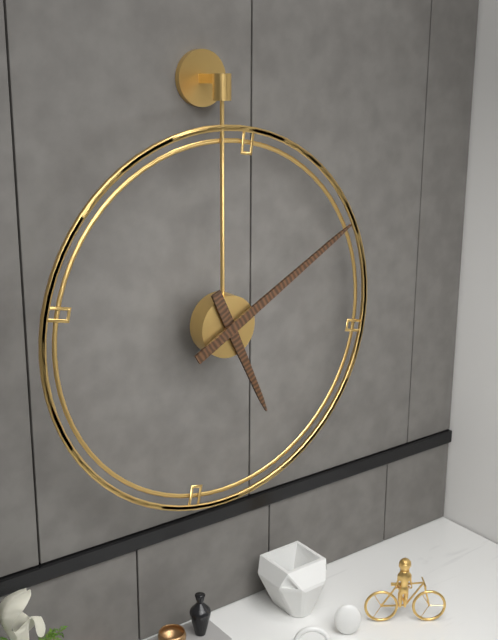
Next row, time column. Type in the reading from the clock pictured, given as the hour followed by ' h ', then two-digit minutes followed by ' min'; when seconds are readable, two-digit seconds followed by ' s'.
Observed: 5 h 10 min
